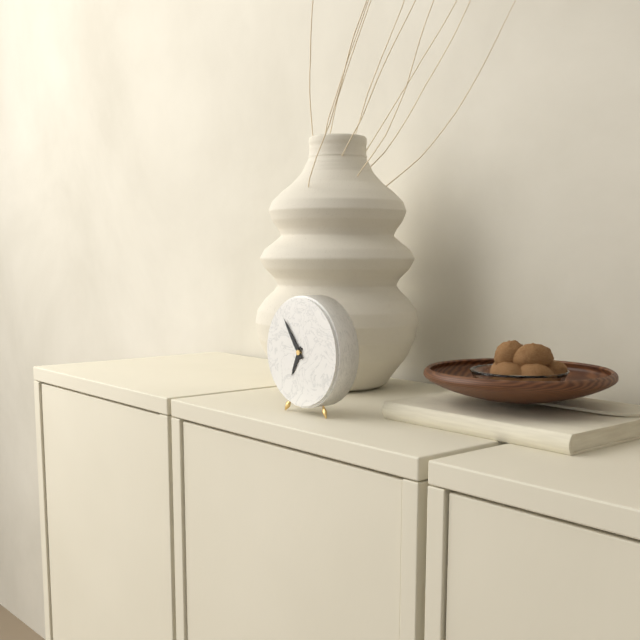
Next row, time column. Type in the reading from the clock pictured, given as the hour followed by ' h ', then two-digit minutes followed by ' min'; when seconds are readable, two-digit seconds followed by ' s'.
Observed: 6 h 54 min
